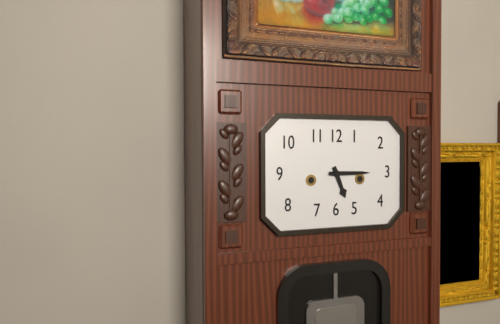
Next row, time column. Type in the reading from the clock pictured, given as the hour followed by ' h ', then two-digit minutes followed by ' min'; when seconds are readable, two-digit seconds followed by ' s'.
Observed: 5 h 15 min
